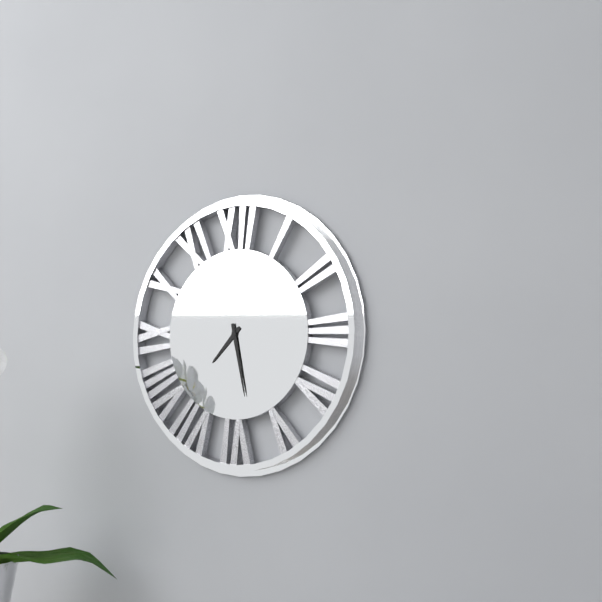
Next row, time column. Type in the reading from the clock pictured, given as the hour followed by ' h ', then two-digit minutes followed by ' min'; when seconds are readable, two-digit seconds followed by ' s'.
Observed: 7 h 28 min
